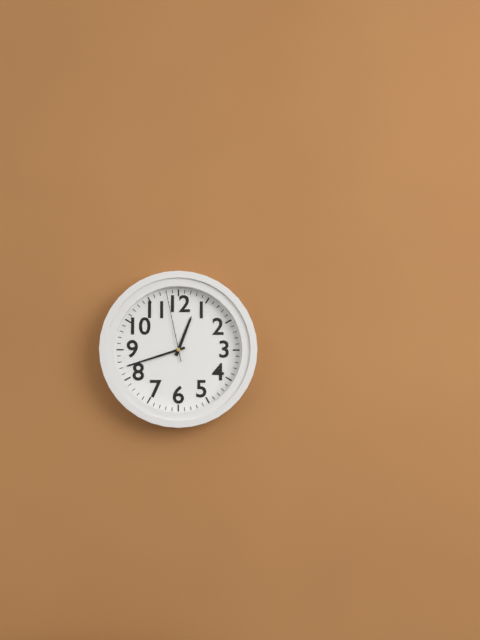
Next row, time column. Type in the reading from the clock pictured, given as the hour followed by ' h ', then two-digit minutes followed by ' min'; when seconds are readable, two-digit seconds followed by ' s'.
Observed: 12 h 42 min 58 s
